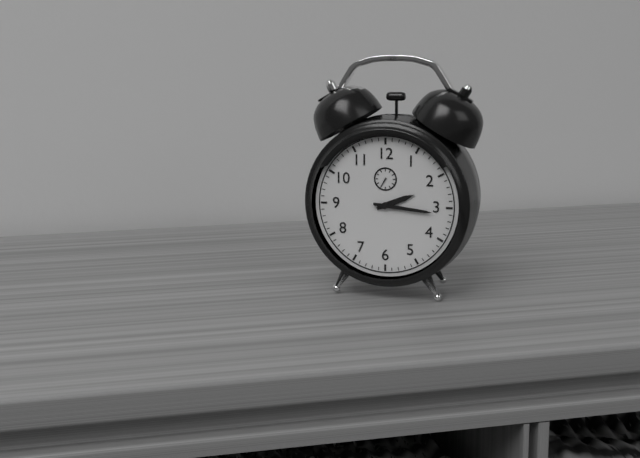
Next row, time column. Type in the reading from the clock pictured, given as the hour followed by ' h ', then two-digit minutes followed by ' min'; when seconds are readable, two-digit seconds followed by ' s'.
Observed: 2 h 16 min
